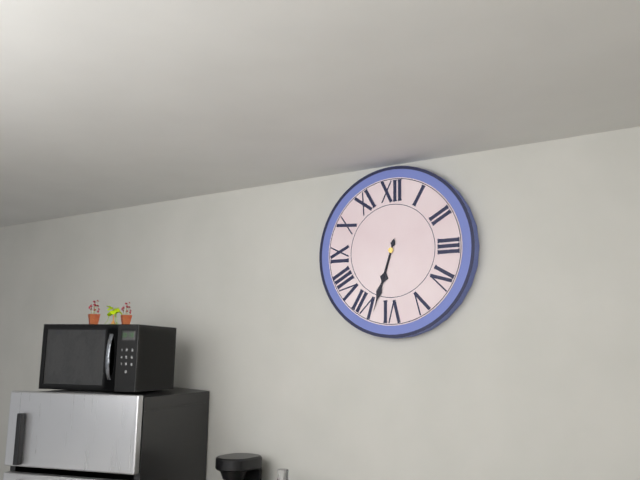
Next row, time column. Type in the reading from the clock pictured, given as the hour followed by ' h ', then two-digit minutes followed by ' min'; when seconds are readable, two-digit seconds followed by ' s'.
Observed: 6 h 33 min
